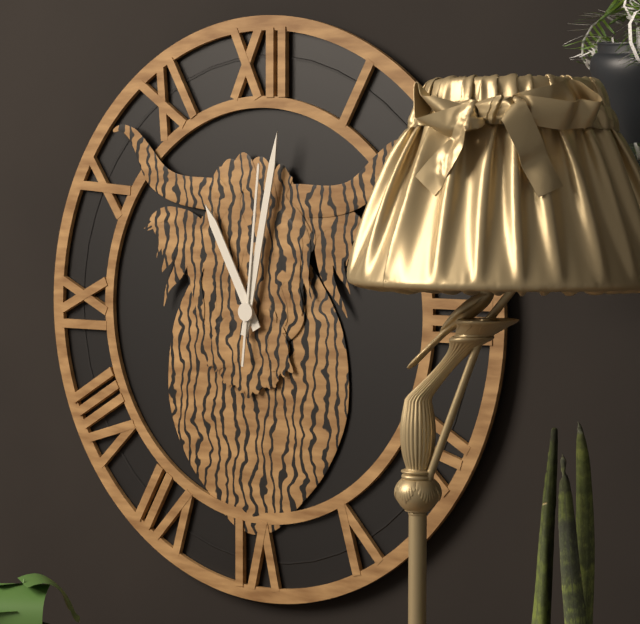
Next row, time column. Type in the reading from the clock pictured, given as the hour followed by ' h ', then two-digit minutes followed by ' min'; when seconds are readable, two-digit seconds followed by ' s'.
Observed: 11 h 02 min 01 s
